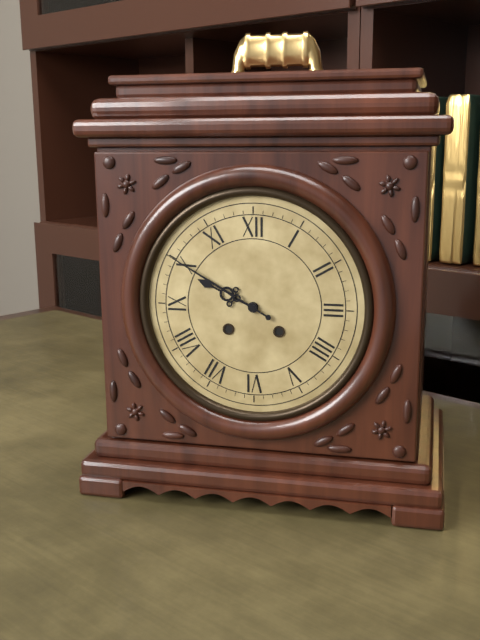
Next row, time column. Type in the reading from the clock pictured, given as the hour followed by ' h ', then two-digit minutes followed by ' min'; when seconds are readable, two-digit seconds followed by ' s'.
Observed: 9 h 50 min
